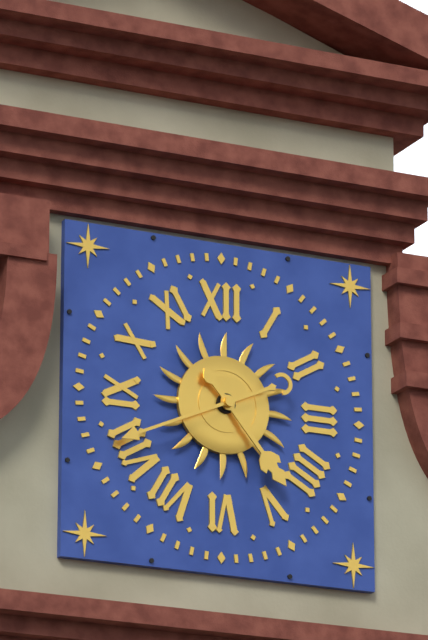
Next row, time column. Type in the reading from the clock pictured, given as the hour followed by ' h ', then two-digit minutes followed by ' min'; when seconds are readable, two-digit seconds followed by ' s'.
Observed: 4 h 41 min
